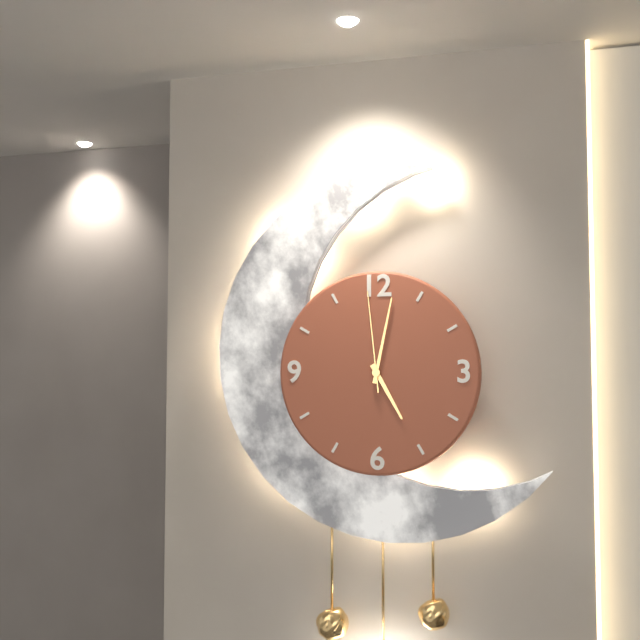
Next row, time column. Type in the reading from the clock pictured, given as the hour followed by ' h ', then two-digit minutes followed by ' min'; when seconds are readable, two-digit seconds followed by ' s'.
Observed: 5 h 02 min 59 s
